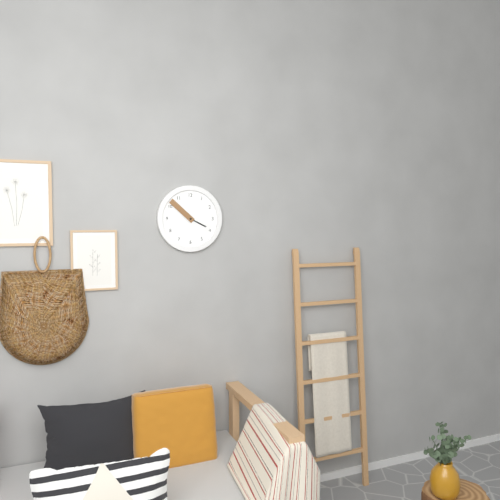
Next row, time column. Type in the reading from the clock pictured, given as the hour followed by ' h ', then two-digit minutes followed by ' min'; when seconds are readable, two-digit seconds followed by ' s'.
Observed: 3 h 52 min
